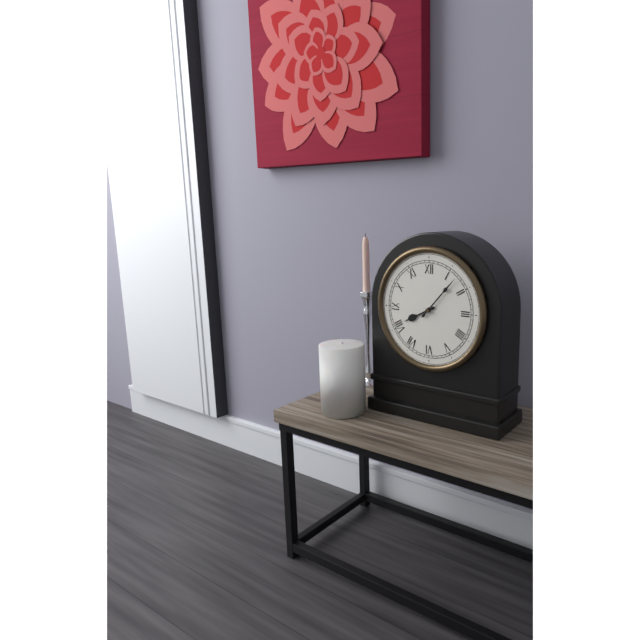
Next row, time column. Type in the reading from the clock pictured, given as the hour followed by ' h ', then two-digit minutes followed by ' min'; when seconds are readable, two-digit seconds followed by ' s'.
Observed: 8 h 07 min
